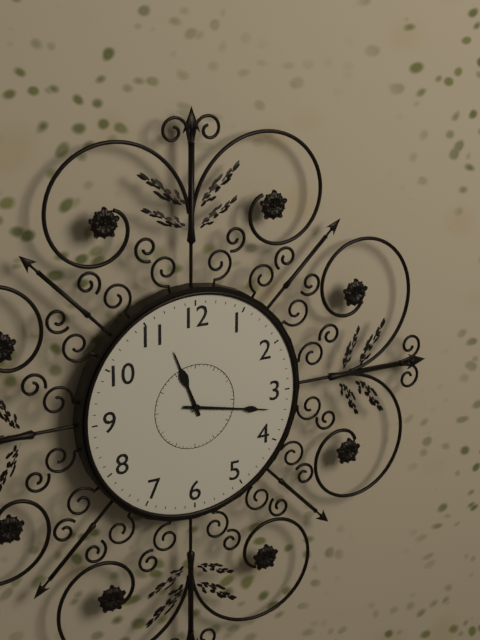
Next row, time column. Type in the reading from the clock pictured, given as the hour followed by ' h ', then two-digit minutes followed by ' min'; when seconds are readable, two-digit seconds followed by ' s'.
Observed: 11 h 17 min
